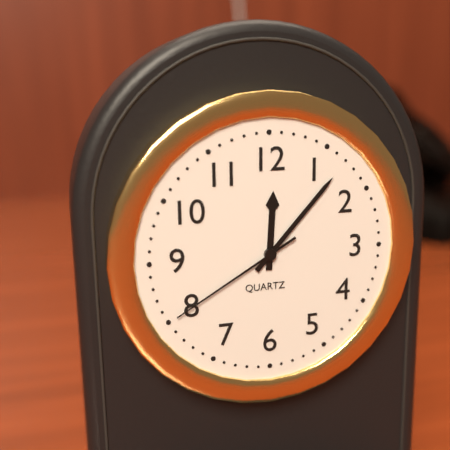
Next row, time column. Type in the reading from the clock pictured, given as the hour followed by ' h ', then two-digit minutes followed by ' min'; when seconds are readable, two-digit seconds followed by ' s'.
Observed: 12 h 07 min 40 s
